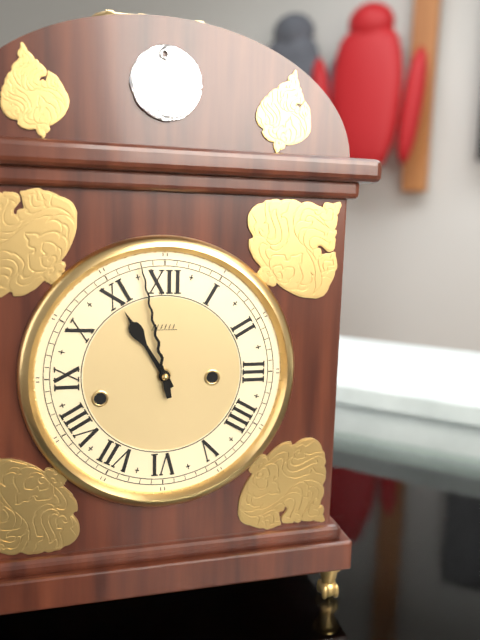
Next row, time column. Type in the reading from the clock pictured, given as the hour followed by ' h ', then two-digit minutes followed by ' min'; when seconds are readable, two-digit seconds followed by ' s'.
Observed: 10 h 58 min
